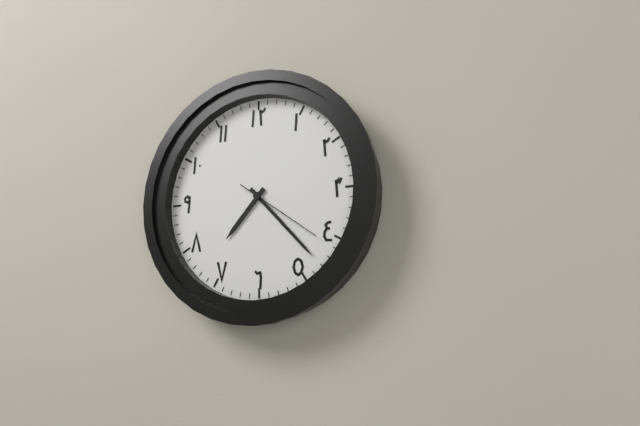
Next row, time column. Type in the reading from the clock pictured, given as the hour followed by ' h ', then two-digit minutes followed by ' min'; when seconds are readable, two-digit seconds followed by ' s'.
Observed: 7 h 23 min 21 s
